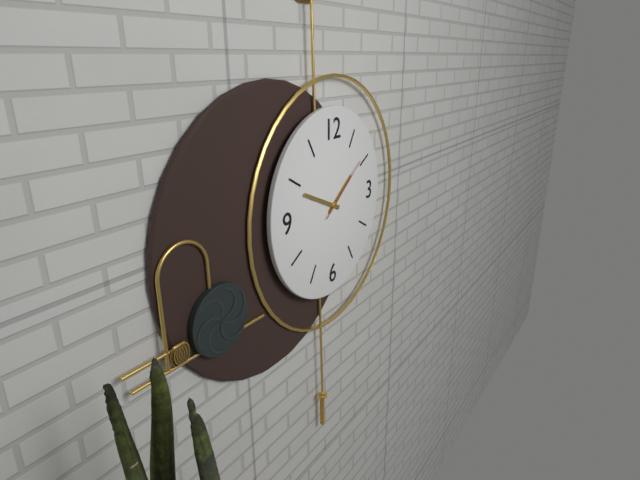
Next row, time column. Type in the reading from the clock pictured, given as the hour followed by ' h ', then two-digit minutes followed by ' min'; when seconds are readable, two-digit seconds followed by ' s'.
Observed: 1 h 49 min 09 s
